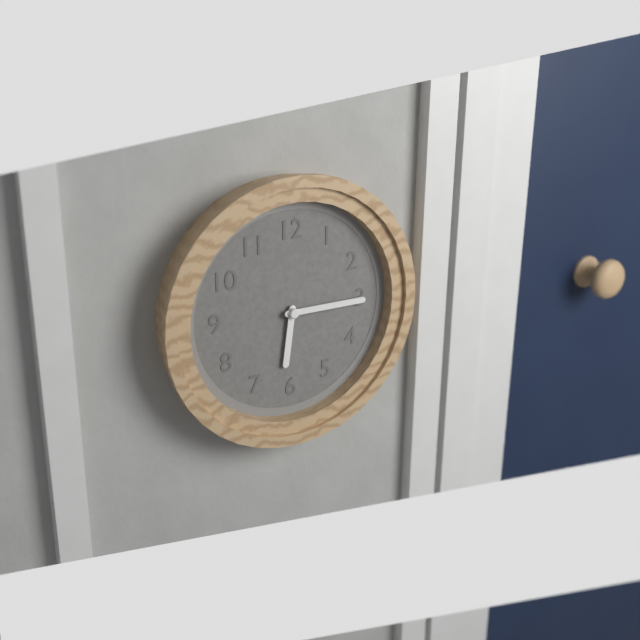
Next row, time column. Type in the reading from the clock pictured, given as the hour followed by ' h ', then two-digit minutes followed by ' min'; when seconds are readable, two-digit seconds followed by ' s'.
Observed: 6 h 15 min
